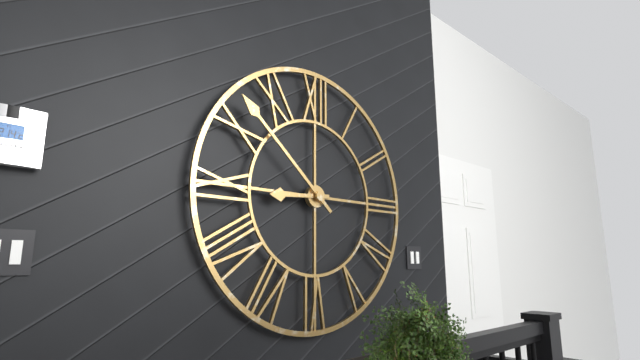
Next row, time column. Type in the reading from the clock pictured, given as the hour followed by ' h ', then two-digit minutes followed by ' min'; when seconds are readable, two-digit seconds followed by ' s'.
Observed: 8 h 52 min
